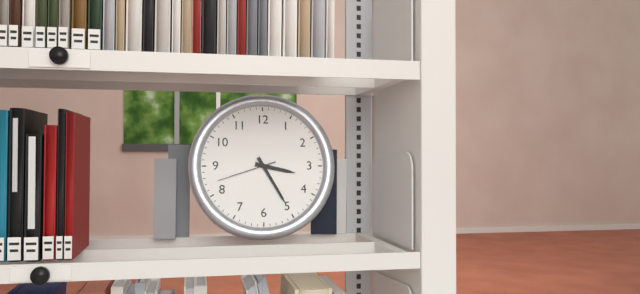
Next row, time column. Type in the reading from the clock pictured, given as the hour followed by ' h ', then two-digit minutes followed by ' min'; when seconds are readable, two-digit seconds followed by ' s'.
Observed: 3 h 25 min 42 s
